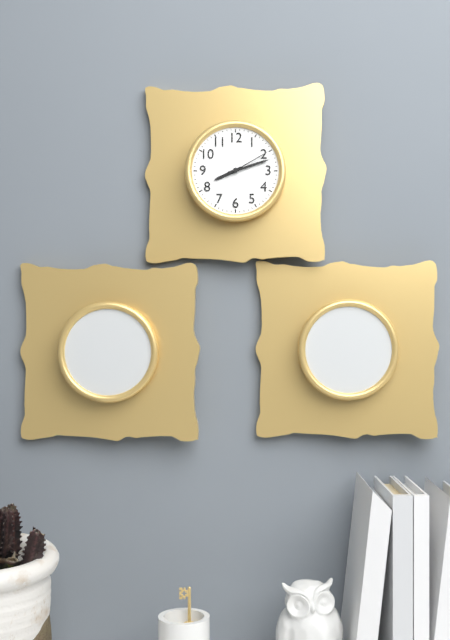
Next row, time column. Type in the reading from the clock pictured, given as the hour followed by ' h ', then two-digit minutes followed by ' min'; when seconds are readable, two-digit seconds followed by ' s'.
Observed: 8 h 12 min
